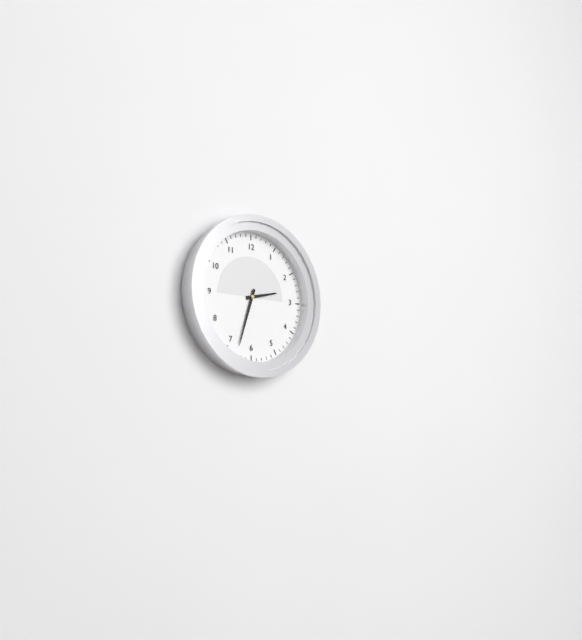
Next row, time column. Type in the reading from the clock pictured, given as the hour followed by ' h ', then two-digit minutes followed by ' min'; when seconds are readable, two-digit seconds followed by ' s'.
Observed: 2 h 33 min
